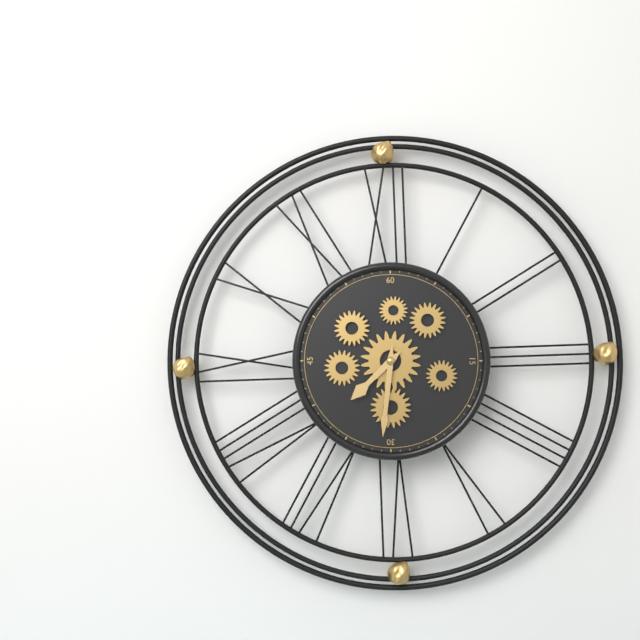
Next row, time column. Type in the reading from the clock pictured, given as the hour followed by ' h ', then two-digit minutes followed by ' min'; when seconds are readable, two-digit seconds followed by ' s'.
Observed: 7 h 31 min
